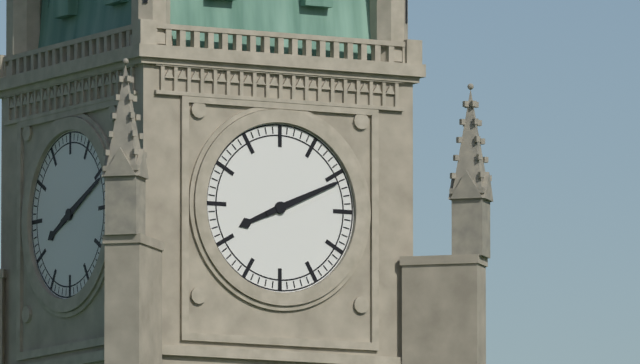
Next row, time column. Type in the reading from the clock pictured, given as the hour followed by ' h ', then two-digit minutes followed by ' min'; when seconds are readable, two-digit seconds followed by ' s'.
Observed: 8 h 11 min
